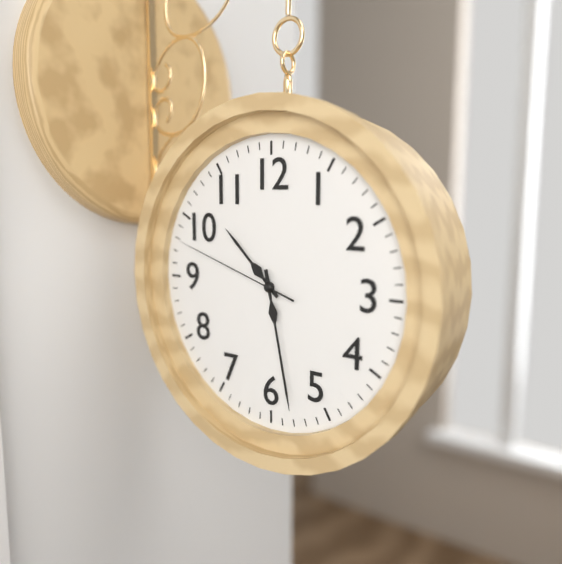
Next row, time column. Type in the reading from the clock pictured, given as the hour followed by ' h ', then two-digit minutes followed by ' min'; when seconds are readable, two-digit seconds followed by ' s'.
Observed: 10 h 28 min 48 s
